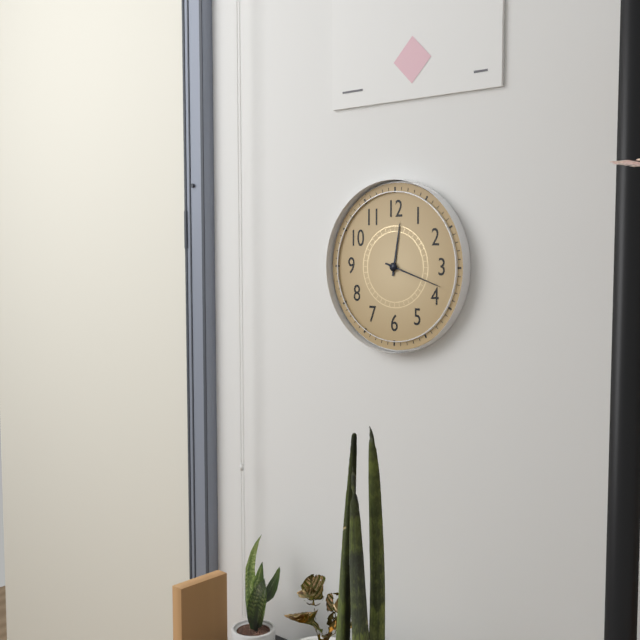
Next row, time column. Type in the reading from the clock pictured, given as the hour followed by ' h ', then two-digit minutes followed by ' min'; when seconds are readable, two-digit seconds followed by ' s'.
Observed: 12 h 18 min
